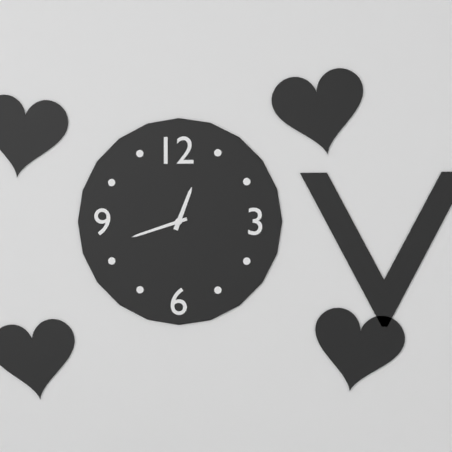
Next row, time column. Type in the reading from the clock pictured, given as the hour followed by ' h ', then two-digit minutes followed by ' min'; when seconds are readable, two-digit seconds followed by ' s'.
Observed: 12 h 42 min
